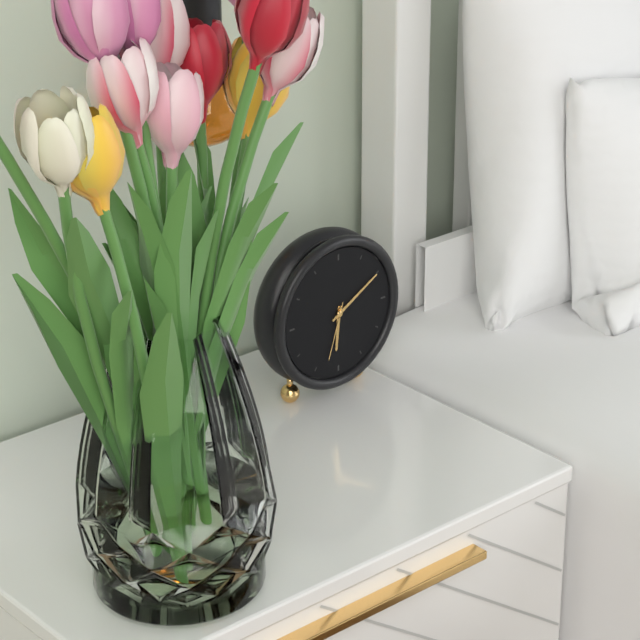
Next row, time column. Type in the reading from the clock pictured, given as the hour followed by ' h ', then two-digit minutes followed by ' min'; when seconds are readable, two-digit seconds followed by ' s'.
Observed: 6 h 10 min 33 s
